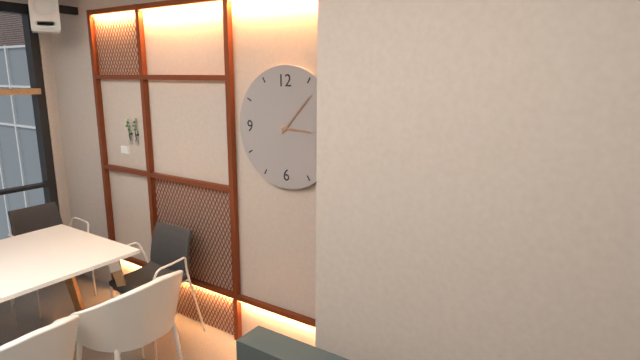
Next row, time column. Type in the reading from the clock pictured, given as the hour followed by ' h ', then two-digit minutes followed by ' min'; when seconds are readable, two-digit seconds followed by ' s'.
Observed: 3 h 07 min
